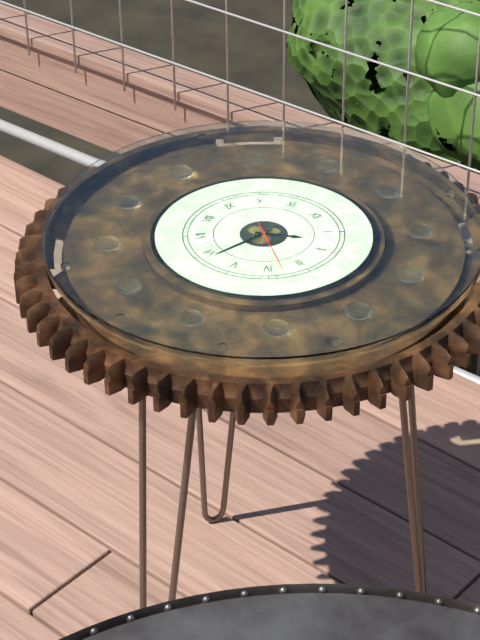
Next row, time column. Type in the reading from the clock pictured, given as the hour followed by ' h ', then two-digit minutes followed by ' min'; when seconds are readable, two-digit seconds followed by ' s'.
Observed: 1 h 29 min 18 s
